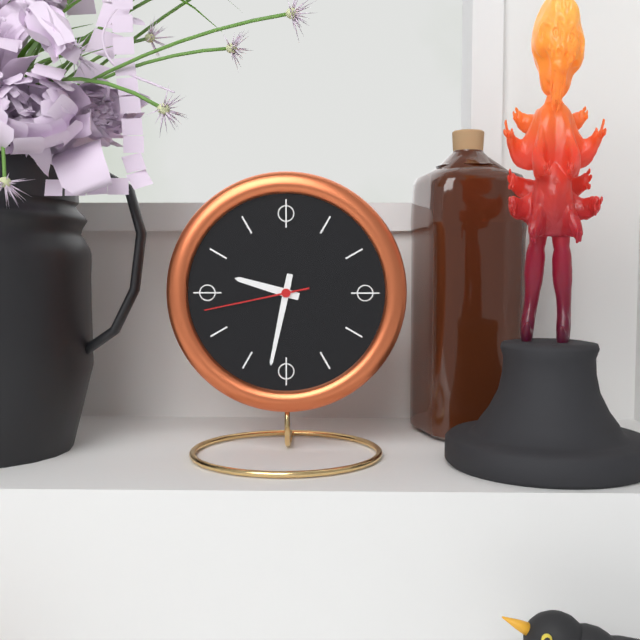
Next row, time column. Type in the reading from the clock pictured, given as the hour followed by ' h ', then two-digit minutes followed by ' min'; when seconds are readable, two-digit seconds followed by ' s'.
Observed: 9 h 32 min 43 s
